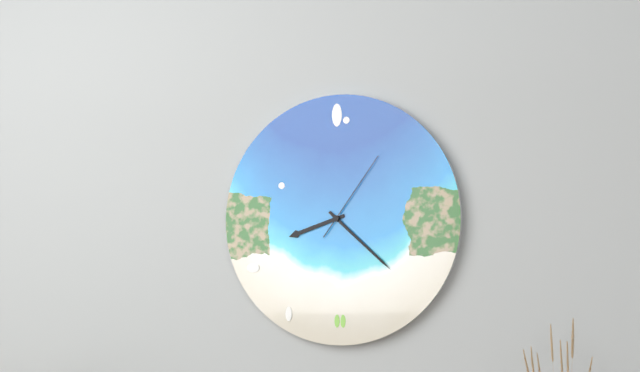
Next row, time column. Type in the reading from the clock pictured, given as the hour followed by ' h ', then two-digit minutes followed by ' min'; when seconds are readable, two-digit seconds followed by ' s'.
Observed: 8 h 22 min 06 s
